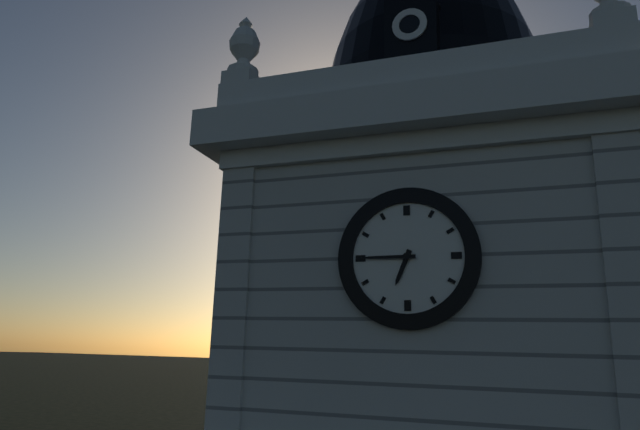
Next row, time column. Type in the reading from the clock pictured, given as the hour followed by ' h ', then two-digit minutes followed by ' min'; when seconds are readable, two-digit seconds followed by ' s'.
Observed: 6 h 45 min
